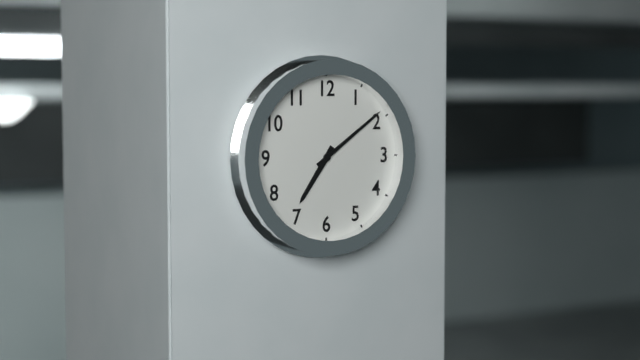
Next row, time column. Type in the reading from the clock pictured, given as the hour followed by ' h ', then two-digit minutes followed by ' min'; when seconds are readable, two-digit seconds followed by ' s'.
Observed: 7 h 09 min
